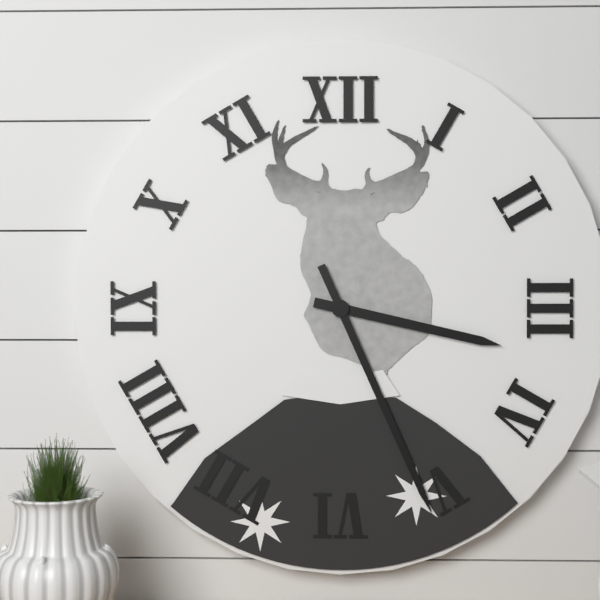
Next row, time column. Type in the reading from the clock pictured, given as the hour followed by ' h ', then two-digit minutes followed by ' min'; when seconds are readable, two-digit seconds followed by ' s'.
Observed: 3 h 26 min
